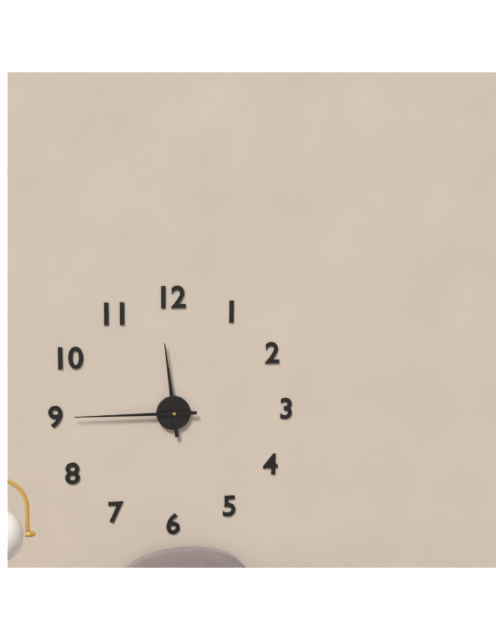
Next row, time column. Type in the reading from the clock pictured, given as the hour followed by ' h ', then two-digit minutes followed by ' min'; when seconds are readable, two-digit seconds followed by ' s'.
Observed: 11 h 45 min
